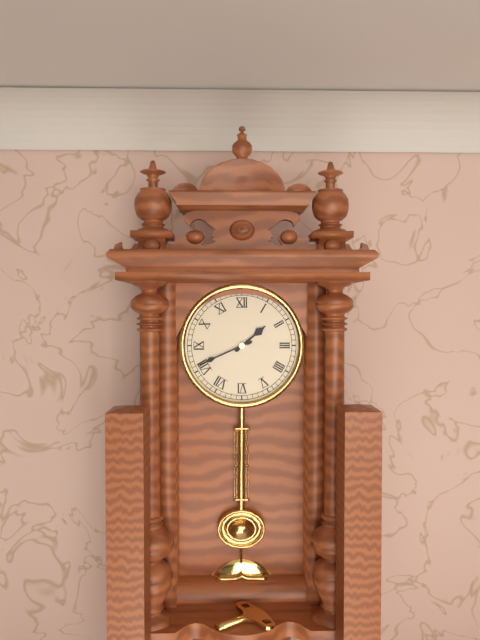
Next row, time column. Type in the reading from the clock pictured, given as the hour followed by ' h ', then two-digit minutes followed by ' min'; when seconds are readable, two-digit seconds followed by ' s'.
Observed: 1 h 41 min
